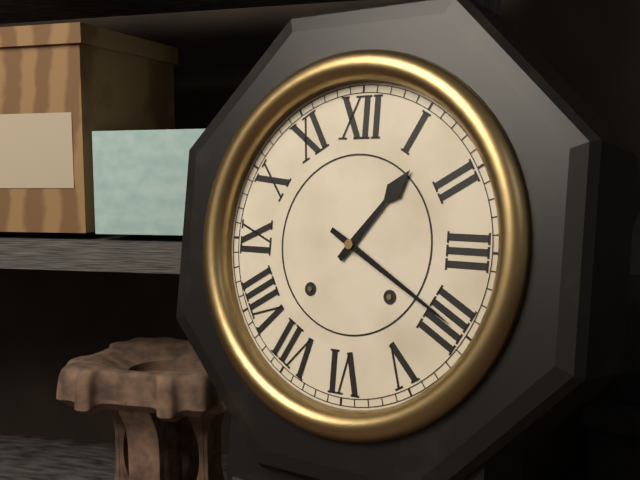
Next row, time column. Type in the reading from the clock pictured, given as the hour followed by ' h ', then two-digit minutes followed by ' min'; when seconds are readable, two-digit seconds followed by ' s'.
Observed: 1 h 20 min
